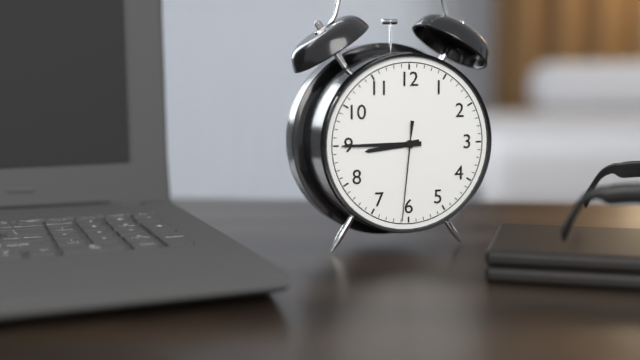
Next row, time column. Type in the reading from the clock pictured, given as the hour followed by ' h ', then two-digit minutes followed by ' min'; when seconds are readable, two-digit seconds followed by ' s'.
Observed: 8 h 45 min 31 s
